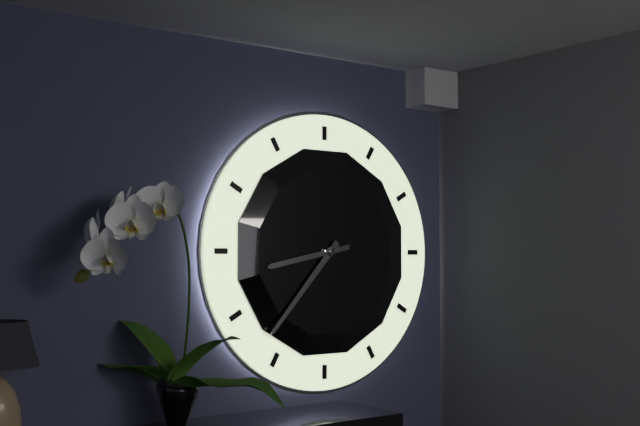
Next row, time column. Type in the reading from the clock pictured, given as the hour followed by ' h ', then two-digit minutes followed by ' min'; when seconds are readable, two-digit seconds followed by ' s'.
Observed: 8 h 37 min
